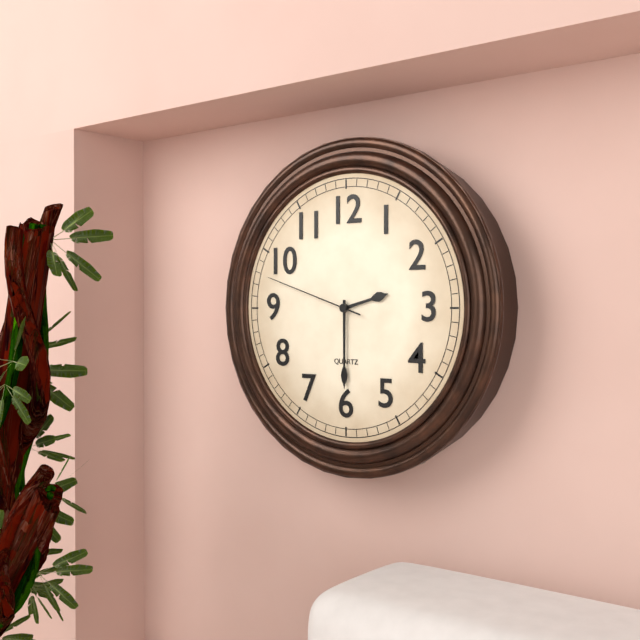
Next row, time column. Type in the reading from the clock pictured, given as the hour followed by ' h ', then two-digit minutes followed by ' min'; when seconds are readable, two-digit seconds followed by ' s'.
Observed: 2 h 30 min 48 s
